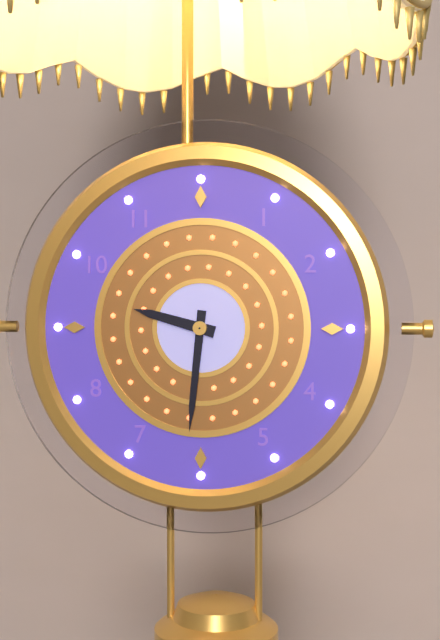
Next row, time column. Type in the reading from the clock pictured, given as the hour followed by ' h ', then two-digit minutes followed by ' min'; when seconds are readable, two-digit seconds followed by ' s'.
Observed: 9 h 31 min
